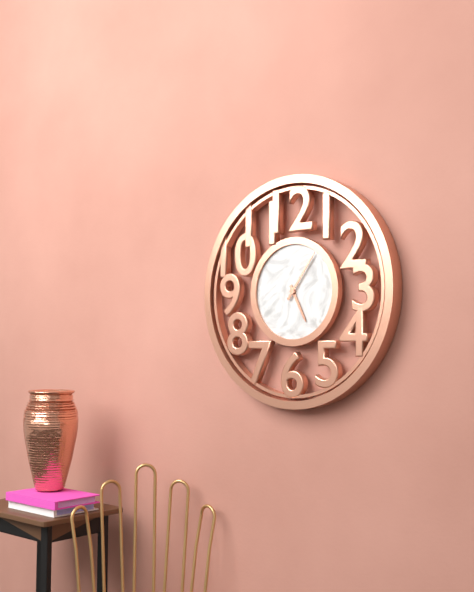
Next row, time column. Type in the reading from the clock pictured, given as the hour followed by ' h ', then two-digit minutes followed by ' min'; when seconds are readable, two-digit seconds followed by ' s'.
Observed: 5 h 06 min
